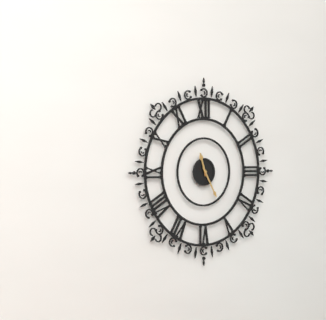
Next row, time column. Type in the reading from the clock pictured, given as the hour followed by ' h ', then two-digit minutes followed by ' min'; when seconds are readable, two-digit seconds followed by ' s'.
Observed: 11 h 25 min
